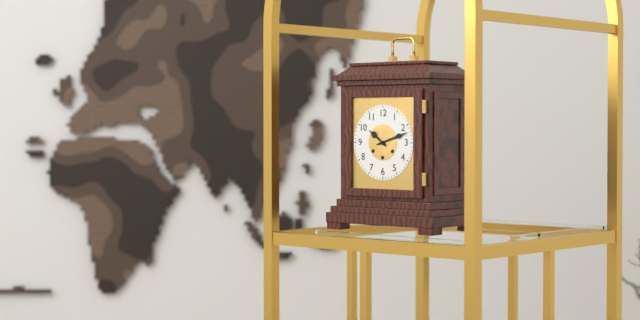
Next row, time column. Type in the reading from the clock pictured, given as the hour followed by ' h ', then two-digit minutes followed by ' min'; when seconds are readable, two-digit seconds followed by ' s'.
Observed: 10 h 12 min
